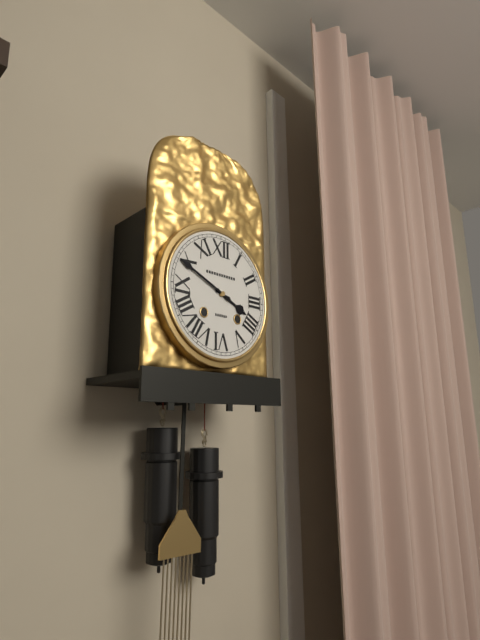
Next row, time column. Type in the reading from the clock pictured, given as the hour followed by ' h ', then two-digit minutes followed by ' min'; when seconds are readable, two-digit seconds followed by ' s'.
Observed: 3 h 49 min
